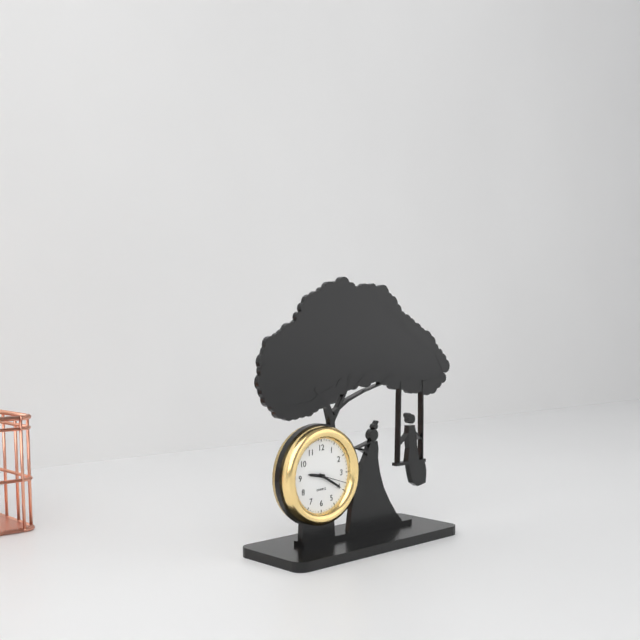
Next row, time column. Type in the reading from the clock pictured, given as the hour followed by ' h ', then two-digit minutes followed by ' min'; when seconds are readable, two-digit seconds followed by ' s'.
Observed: 9 h 20 min
